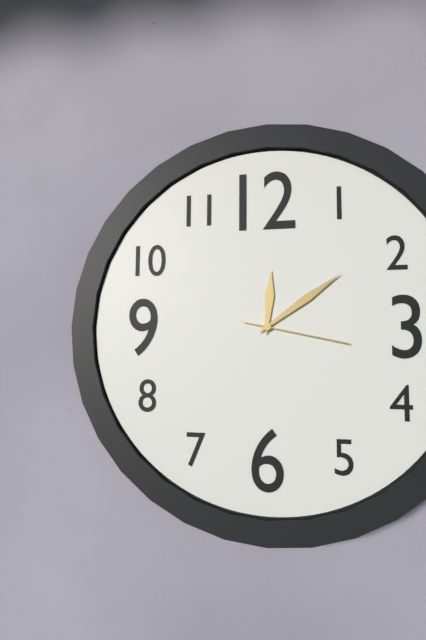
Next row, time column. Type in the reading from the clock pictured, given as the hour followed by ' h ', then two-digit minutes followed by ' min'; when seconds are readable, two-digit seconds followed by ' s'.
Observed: 12 h 09 min 17 s
